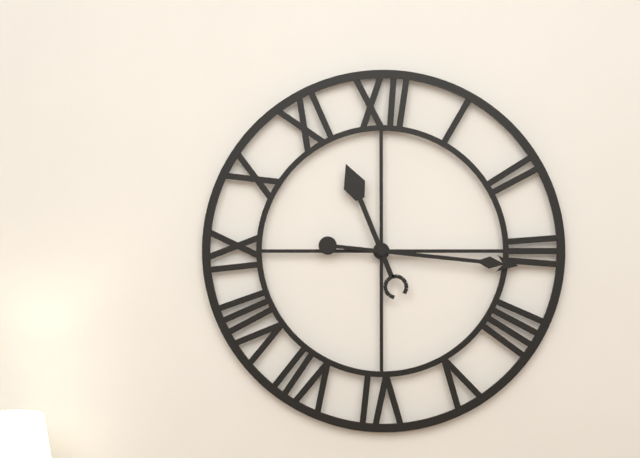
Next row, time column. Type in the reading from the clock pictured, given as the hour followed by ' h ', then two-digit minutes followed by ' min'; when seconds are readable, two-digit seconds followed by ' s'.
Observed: 11 h 16 min
